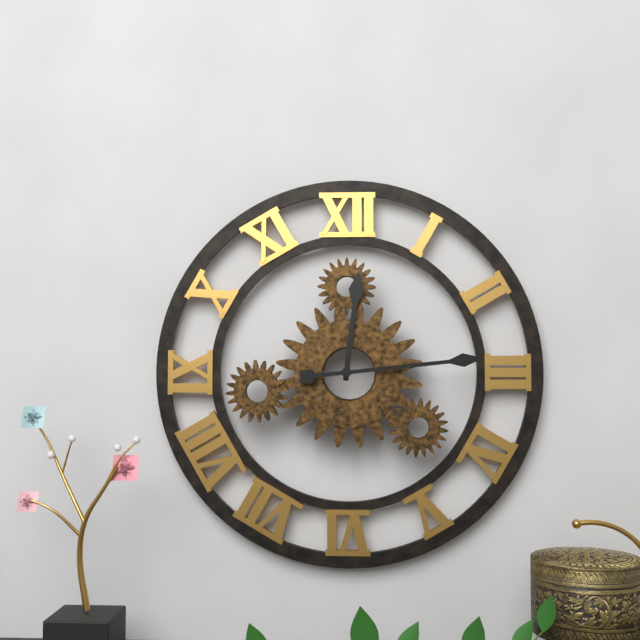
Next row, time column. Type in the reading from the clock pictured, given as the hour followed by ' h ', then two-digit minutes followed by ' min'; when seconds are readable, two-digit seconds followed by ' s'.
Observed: 12 h 14 min
